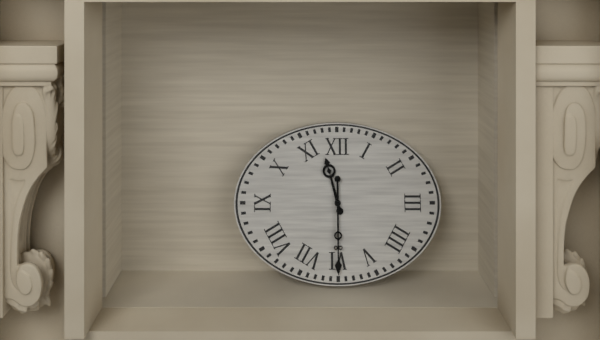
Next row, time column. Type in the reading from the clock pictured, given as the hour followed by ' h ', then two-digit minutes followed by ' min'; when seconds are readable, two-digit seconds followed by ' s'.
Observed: 11 h 30 min
